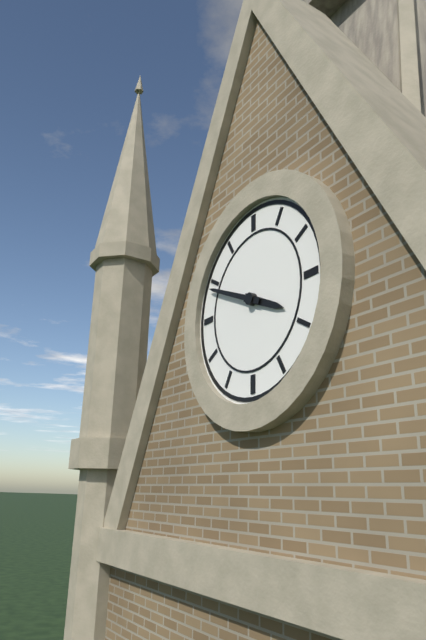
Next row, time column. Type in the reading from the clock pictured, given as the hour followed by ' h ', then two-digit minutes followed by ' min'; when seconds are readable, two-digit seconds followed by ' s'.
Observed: 3 h 49 min
